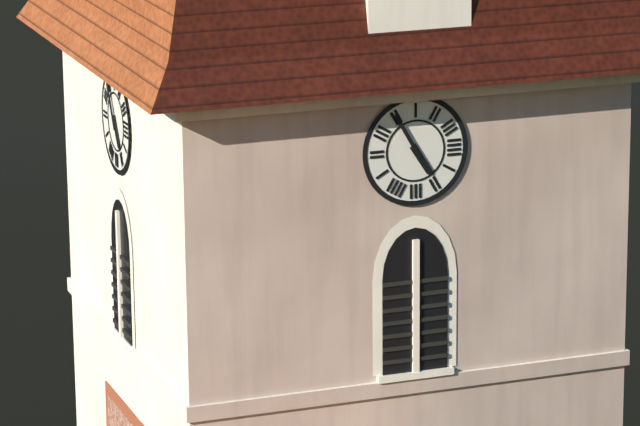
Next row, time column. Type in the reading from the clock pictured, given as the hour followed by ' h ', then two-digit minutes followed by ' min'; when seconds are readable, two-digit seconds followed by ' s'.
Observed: 4 h 55 min
